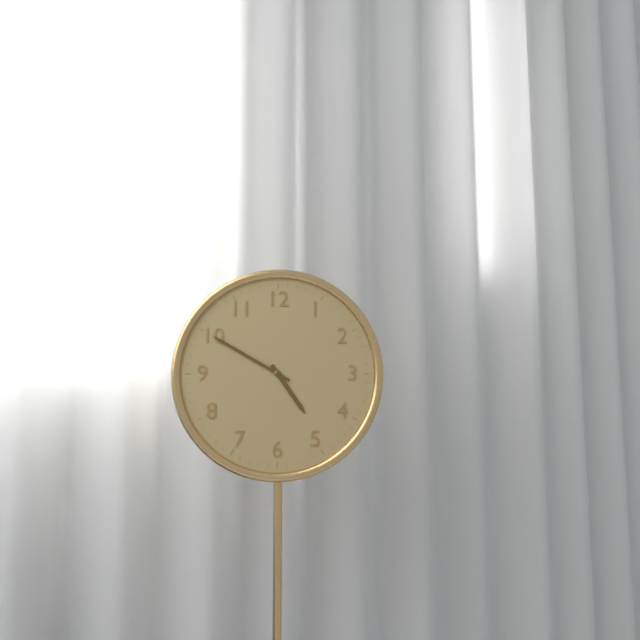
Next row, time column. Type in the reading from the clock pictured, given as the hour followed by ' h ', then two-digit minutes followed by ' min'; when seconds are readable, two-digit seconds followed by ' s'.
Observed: 4 h 50 min
